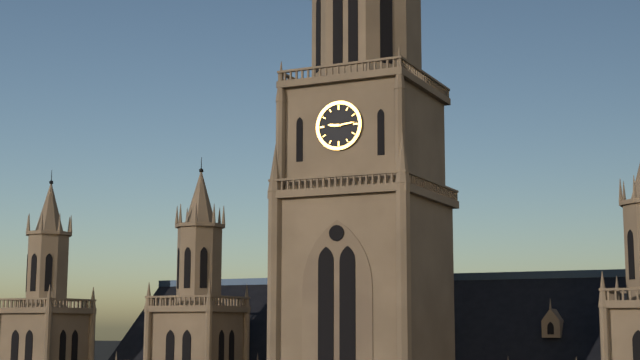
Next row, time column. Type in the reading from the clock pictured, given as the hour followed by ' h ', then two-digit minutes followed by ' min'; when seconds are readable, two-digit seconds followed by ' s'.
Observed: 9 h 14 min
